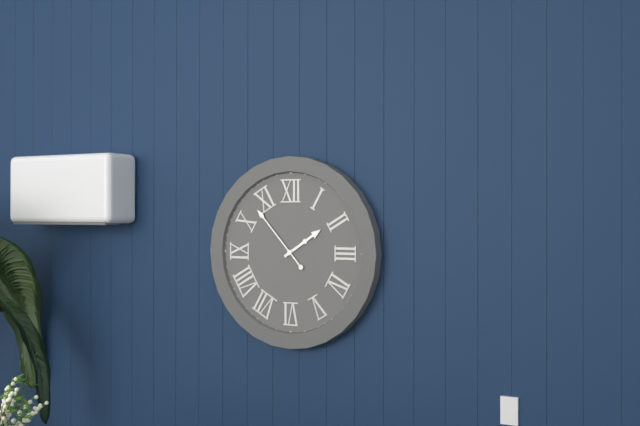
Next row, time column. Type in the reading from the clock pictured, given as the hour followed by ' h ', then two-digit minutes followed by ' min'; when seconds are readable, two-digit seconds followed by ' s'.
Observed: 1 h 53 min
